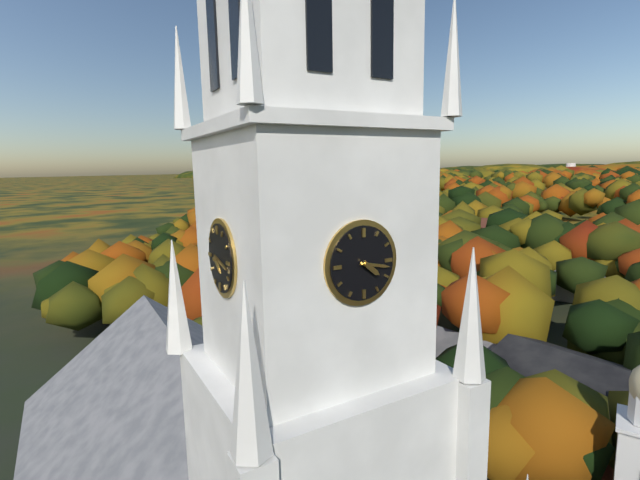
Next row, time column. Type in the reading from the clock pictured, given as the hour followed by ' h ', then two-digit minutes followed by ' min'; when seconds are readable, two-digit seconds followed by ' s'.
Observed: 4 h 17 min
